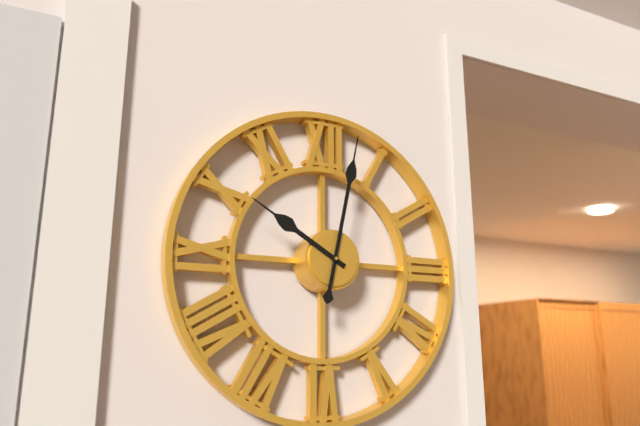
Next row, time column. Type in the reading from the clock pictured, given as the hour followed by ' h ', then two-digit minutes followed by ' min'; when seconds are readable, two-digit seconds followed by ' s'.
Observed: 10 h 02 min
